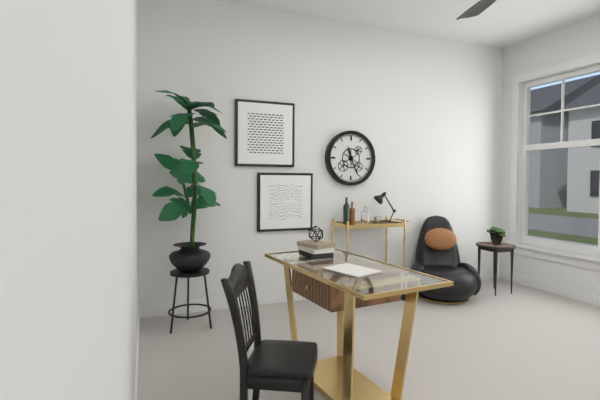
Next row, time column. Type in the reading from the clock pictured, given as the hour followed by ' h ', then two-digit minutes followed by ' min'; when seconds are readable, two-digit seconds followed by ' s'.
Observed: 11 h 26 min
